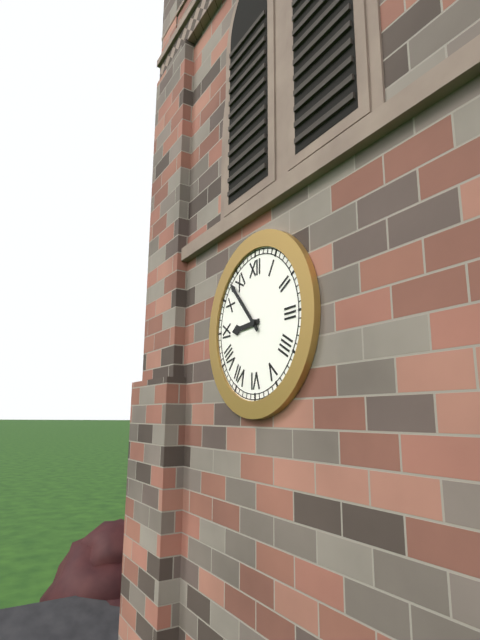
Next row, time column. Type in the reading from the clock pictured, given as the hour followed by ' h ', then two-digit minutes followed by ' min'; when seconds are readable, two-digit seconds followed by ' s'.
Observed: 8 h 53 min
